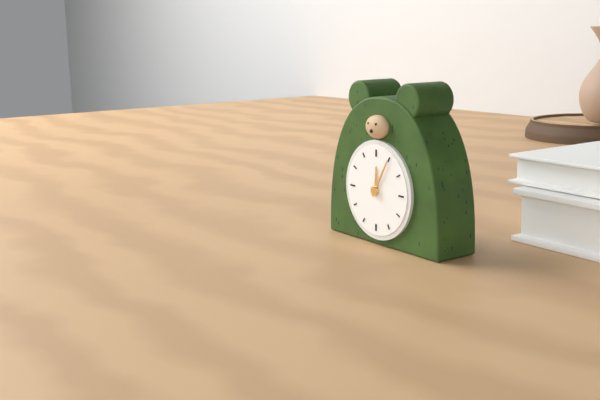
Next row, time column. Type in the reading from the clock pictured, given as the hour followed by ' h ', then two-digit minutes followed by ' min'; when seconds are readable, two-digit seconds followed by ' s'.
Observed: 12 h 05 min
